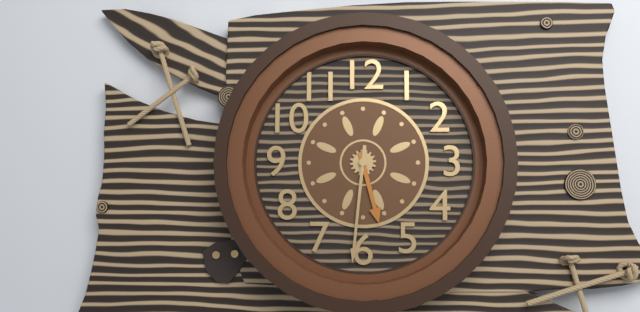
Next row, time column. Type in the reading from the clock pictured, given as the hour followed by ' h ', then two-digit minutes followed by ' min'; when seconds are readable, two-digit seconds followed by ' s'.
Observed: 5 h 31 min
